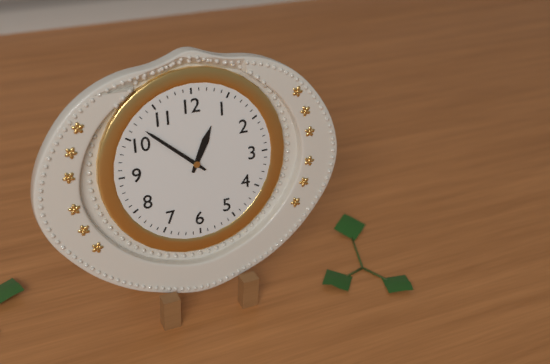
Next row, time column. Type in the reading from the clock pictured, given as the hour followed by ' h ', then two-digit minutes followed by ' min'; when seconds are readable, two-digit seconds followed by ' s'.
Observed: 12 h 52 min
